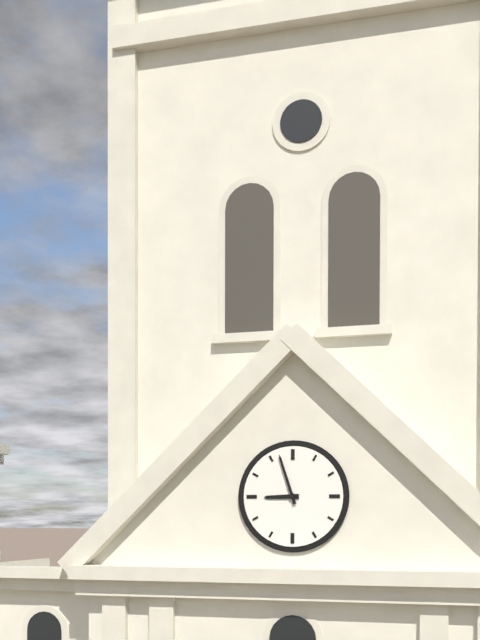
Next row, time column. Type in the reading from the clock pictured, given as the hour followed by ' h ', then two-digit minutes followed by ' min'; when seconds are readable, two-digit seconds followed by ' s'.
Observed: 8 h 57 min
